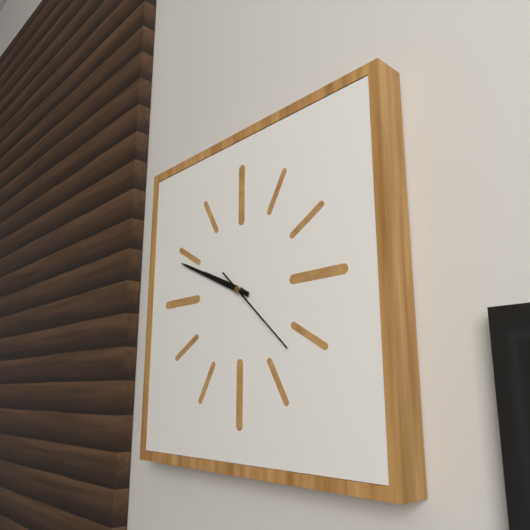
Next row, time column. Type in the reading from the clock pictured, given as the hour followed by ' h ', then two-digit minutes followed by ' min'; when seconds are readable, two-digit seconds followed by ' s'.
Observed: 9 h 49 min 22 s
